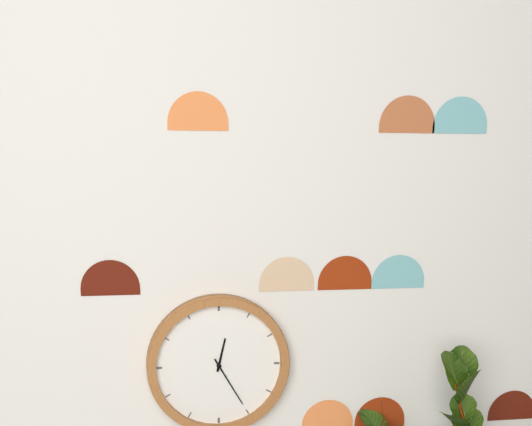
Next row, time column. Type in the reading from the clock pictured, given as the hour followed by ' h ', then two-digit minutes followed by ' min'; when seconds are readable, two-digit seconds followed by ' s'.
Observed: 12 h 25 min
